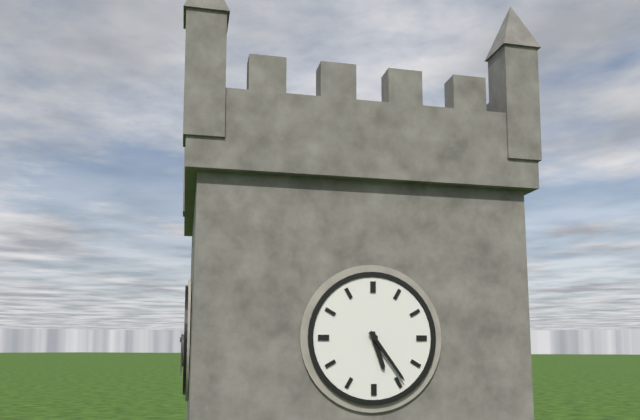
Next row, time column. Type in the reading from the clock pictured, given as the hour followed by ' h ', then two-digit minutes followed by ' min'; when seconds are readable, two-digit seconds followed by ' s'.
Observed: 5 h 24 min
